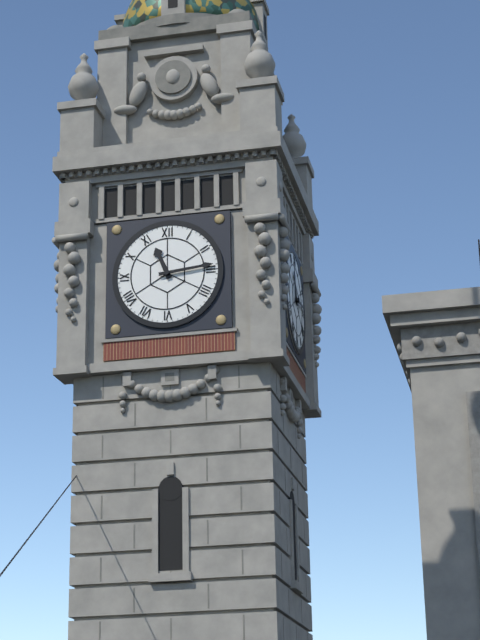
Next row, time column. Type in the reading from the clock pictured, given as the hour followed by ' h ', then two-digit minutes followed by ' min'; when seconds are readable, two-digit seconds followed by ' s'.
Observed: 11 h 14 min
